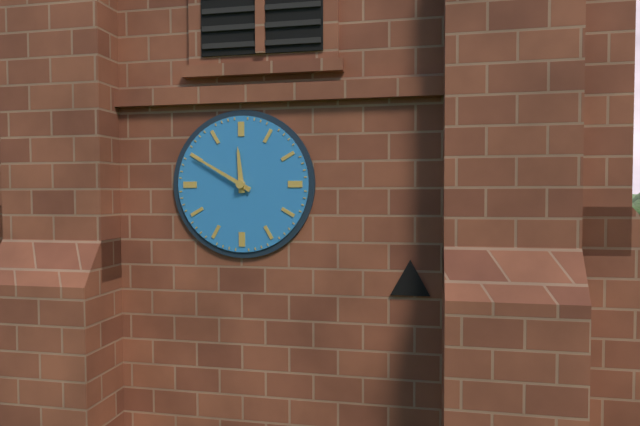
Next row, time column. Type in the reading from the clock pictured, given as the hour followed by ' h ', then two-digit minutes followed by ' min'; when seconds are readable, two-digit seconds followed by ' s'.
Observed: 11 h 50 min
